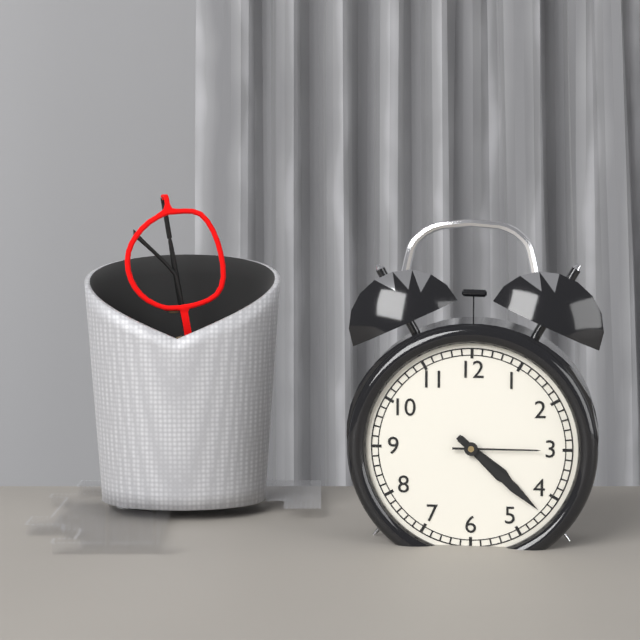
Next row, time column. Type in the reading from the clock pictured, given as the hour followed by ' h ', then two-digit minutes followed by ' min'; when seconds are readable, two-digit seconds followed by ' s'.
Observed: 4 h 22 min 15 s
